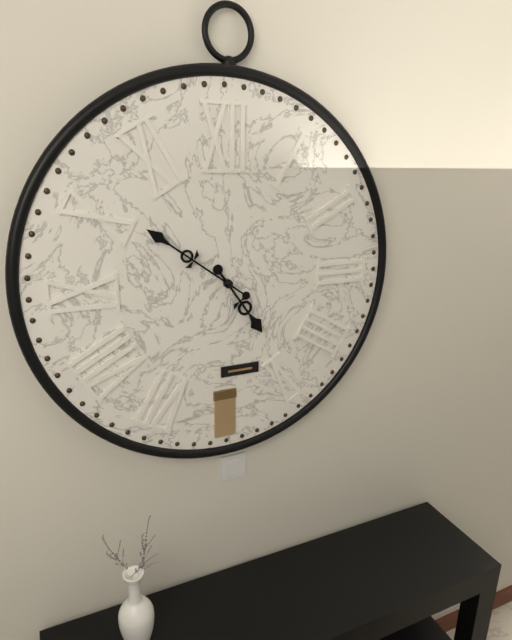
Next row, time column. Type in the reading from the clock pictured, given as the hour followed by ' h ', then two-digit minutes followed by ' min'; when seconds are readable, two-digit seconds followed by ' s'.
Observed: 4 h 51 min
